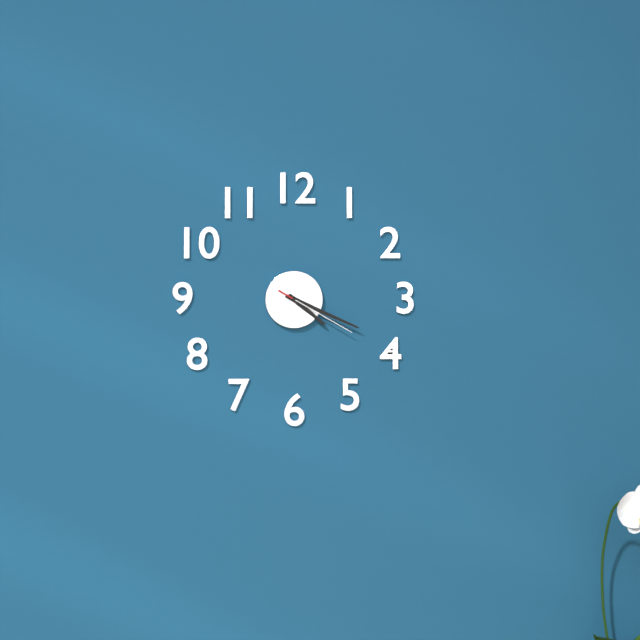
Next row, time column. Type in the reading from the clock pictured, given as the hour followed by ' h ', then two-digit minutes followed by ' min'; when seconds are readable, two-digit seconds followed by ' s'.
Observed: 4 h 19 min 20 s
